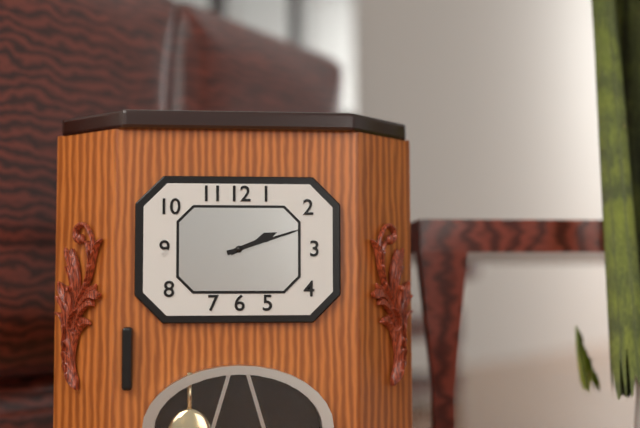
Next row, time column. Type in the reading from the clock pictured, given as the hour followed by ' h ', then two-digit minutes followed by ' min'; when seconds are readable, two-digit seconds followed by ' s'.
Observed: 2 h 12 min
